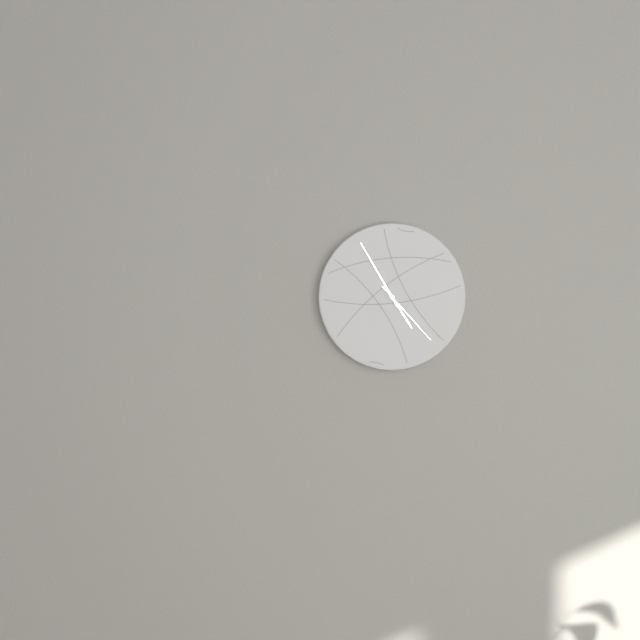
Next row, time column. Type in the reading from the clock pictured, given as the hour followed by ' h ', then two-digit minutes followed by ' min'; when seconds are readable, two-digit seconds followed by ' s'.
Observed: 4 h 55 min 23 s
